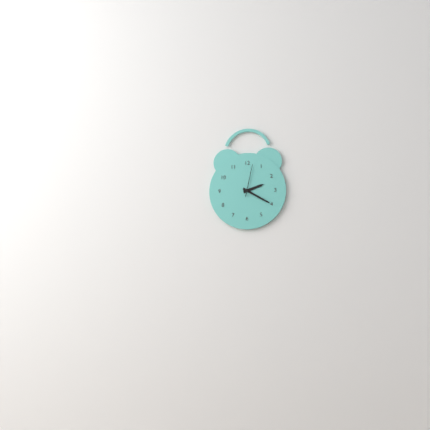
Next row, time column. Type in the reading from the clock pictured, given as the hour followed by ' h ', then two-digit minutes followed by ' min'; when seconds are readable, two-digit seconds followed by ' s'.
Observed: 2 h 20 min
